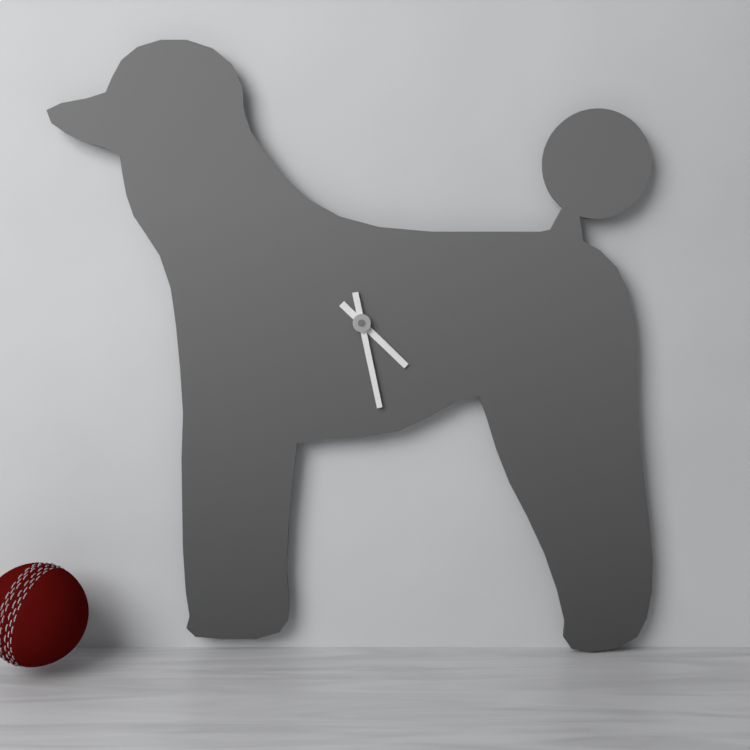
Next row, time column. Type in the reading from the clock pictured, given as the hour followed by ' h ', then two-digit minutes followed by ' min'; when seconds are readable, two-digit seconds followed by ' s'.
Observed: 4 h 28 min
